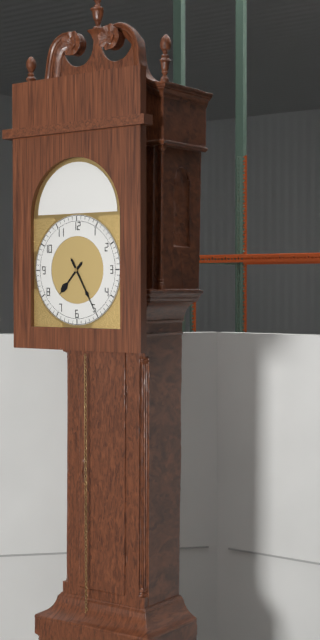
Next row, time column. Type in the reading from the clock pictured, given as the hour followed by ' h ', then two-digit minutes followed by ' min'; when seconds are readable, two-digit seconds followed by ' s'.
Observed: 7 h 25 min
